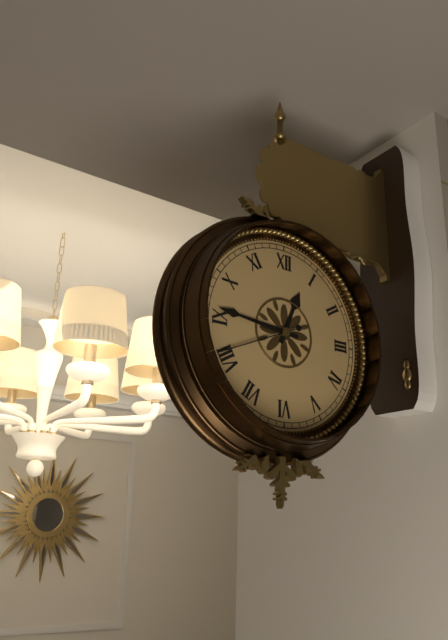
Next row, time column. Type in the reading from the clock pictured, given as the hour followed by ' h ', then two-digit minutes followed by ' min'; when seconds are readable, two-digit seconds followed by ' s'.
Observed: 12 h 46 min 41 s
